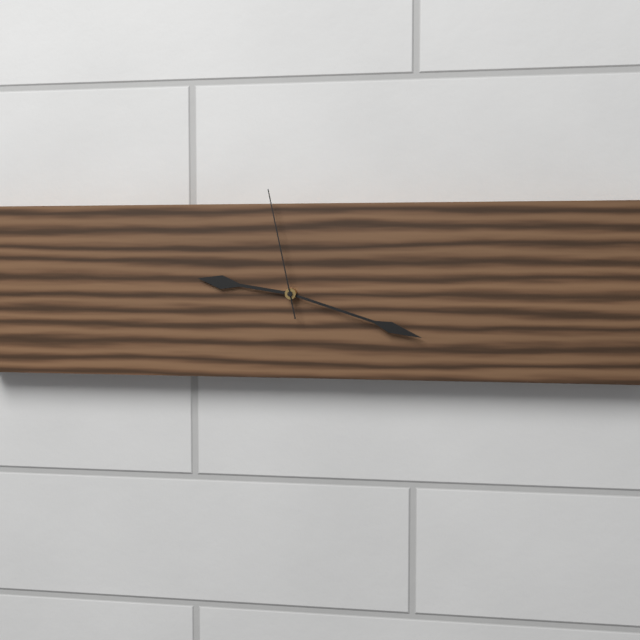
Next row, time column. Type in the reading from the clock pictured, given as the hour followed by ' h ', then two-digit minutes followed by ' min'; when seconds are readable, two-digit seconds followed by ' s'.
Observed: 9 h 18 min 58 s
